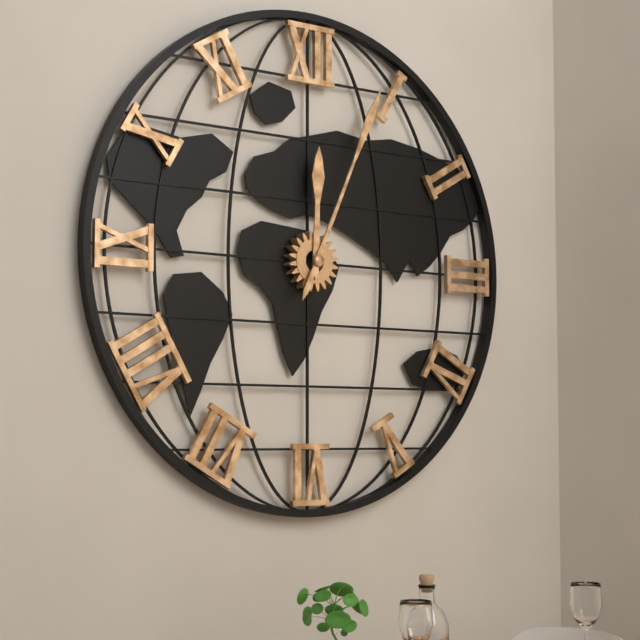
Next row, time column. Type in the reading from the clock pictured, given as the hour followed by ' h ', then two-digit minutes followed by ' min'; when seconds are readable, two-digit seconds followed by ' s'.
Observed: 12 h 04 min
